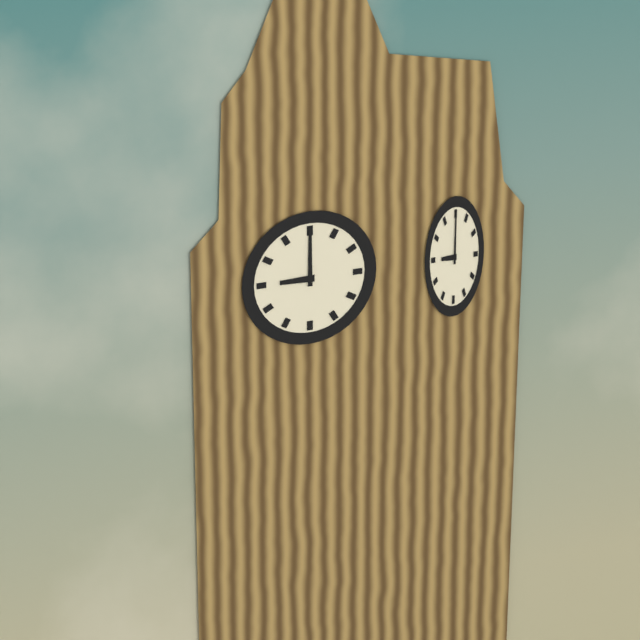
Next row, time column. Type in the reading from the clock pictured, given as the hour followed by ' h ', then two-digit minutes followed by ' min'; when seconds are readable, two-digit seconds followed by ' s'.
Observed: 9 h 00 min
